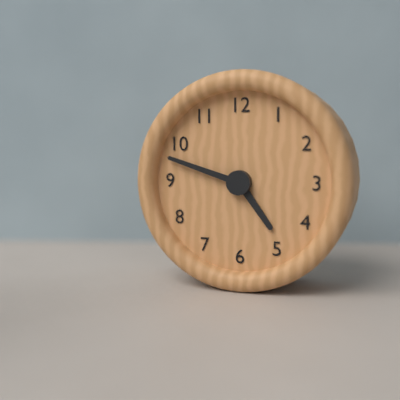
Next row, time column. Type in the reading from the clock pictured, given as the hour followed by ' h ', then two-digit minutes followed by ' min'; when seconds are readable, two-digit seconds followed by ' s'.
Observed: 4 h 48 min
